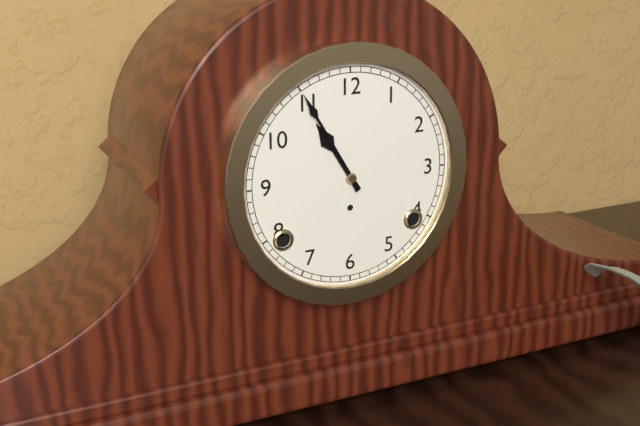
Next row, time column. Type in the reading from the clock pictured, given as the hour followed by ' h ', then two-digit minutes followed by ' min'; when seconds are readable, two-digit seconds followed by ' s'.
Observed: 10 h 55 min
